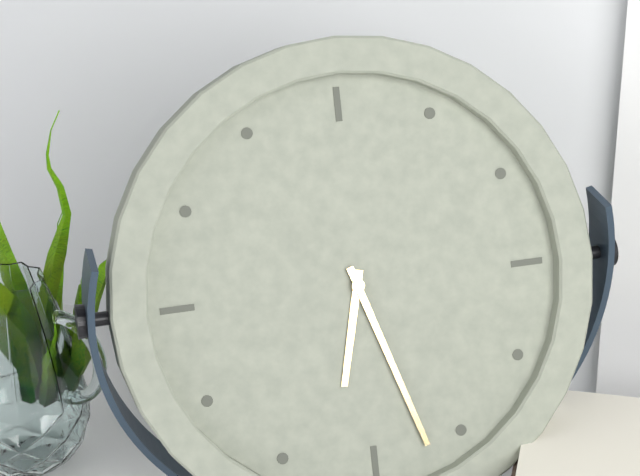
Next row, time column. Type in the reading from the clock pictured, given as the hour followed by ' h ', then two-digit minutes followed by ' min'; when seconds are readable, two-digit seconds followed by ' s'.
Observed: 6 h 27 min
